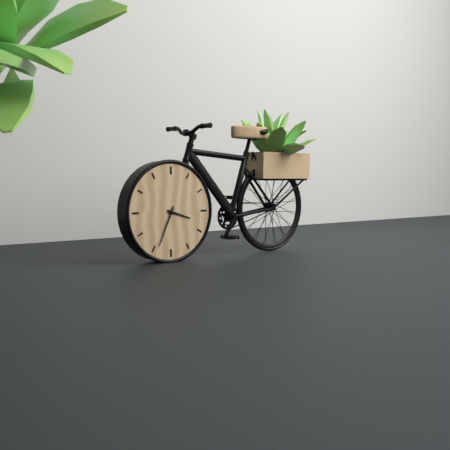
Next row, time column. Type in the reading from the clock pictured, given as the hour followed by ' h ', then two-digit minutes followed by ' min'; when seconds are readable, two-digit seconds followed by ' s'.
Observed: 3 h 34 min
